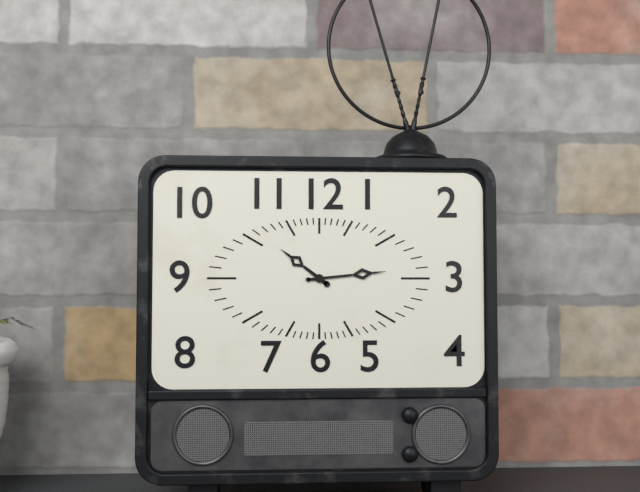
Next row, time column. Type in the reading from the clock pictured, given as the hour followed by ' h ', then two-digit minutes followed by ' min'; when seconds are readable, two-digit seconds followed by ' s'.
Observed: 10 h 14 min
